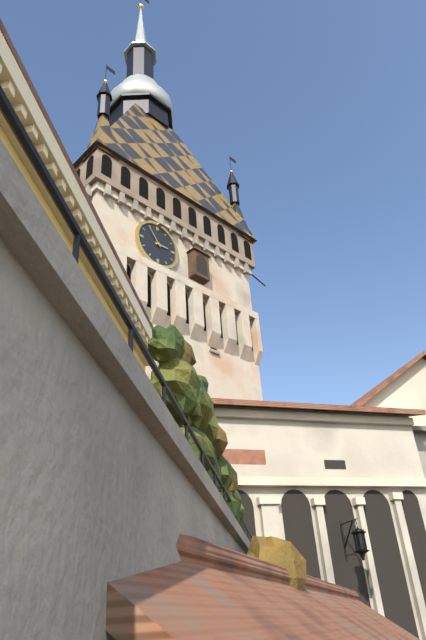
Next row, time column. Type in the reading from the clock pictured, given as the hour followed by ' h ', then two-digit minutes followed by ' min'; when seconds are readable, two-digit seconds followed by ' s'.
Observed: 2 h 54 min
